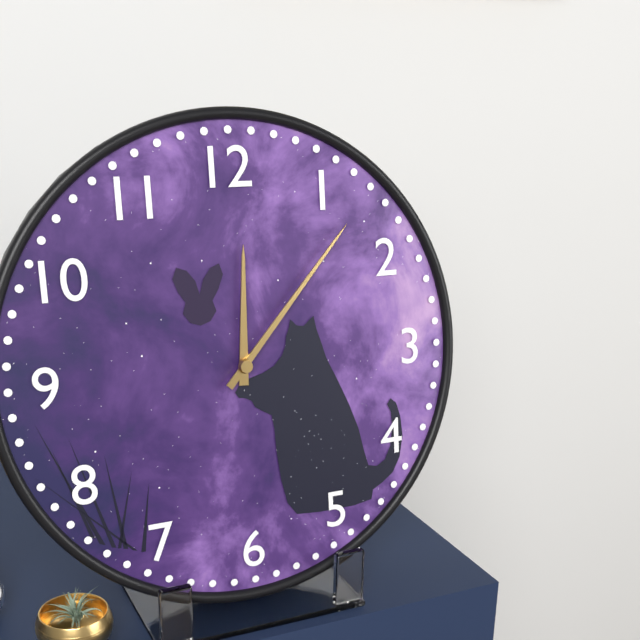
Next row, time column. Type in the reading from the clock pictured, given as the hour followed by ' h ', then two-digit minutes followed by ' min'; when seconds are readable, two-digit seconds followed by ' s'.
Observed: 12 h 07 min
